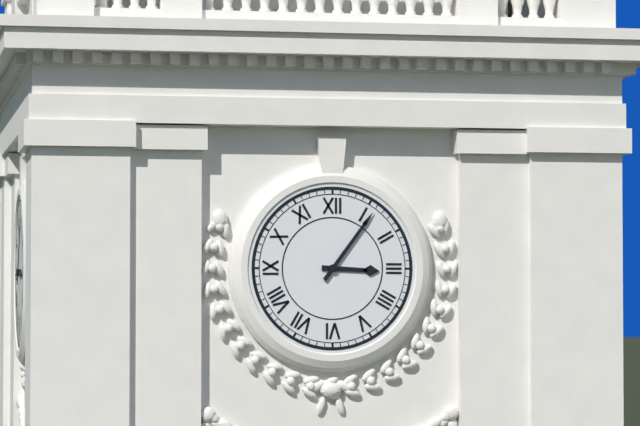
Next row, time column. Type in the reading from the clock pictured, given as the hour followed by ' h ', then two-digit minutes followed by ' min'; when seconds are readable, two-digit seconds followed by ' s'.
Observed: 3 h 06 min
